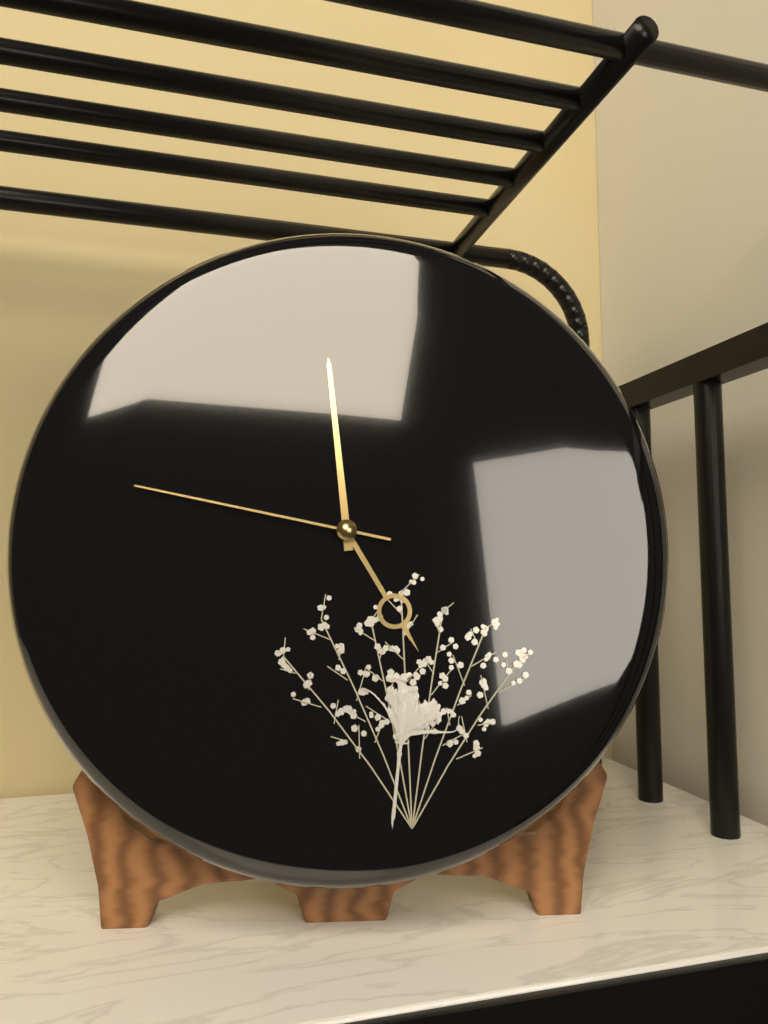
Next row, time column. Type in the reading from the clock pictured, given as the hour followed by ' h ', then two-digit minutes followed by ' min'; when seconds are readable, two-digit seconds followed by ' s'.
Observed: 4 h 59 min 47 s
